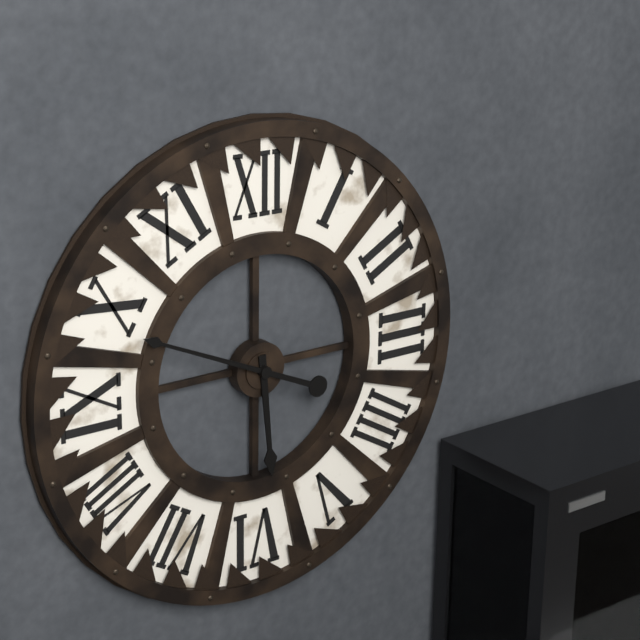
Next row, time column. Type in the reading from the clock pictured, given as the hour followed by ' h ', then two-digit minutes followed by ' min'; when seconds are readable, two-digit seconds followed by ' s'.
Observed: 5 h 49 min
